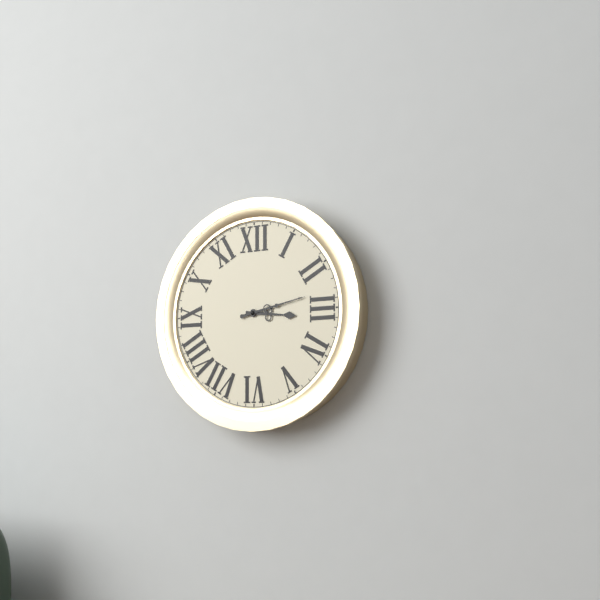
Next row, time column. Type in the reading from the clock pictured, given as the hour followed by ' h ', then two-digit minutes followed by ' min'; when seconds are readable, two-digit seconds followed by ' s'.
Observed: 3 h 13 min
